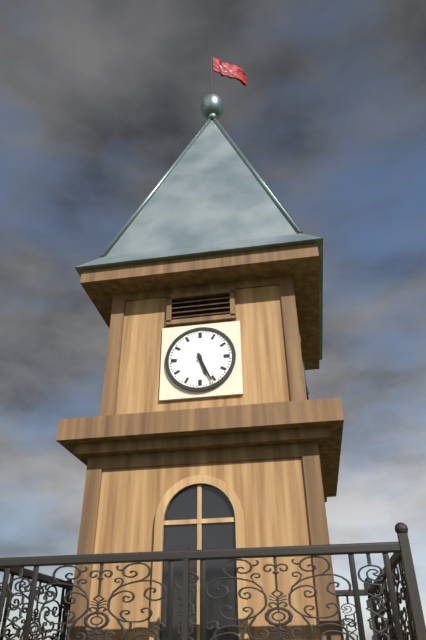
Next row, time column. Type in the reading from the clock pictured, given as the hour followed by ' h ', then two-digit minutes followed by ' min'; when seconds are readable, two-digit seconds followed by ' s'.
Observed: 5 h 26 min
